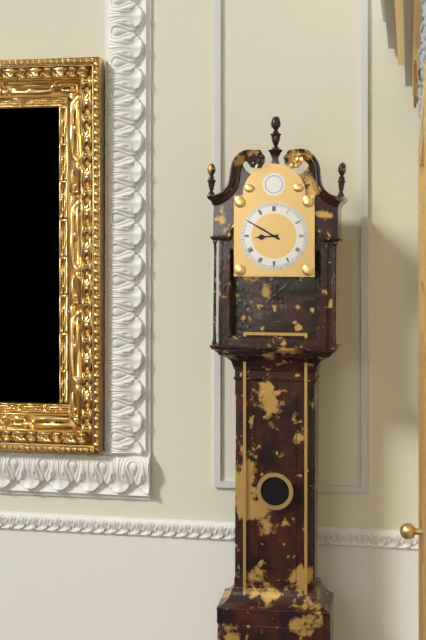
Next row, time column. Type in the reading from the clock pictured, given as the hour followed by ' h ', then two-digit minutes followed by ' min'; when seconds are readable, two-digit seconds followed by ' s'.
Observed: 8 h 50 min
